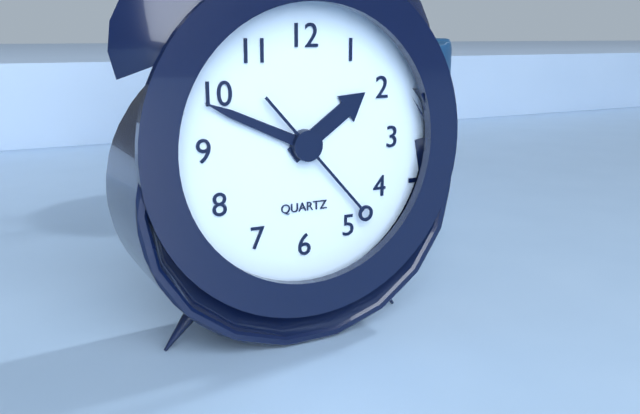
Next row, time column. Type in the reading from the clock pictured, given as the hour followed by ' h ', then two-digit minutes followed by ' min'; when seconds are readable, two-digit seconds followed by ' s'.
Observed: 1 h 49 min 23 s
